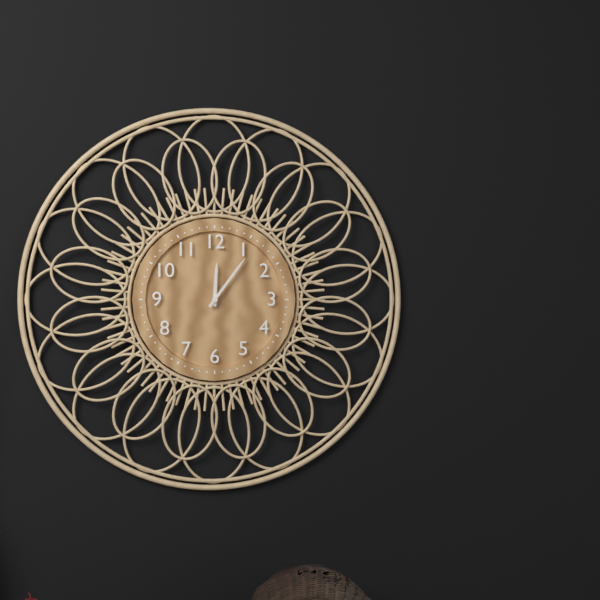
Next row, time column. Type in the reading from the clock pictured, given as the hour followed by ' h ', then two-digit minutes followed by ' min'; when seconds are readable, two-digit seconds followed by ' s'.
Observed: 12 h 06 min
